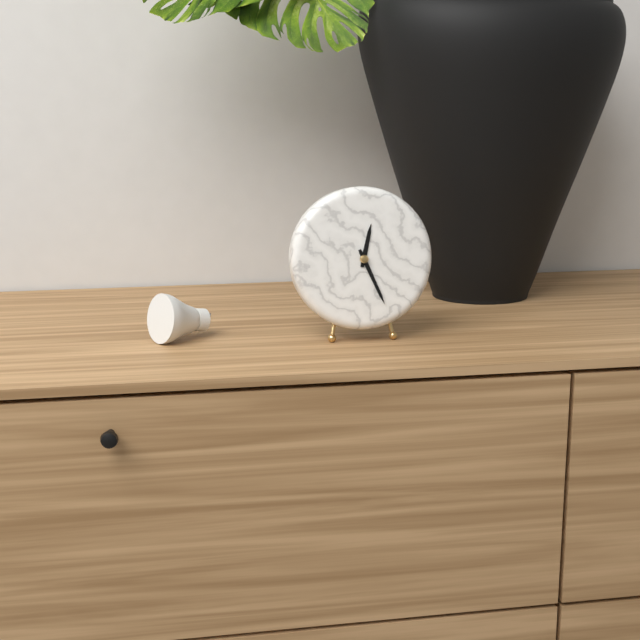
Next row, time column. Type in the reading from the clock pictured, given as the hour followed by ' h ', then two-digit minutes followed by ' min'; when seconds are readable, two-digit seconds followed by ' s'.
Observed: 12 h 26 min
